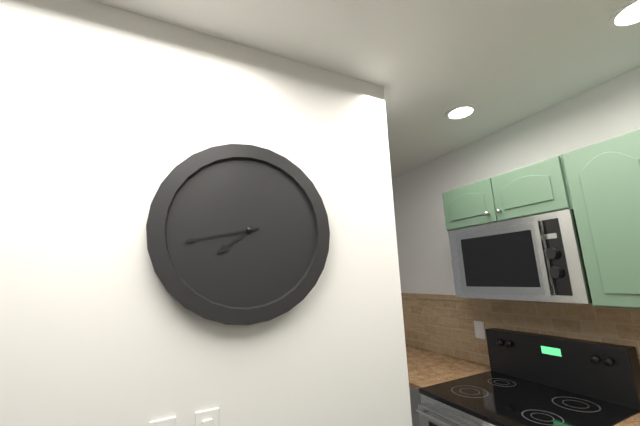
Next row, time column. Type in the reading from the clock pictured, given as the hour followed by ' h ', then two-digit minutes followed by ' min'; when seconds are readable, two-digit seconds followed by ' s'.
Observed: 7 h 43 min
